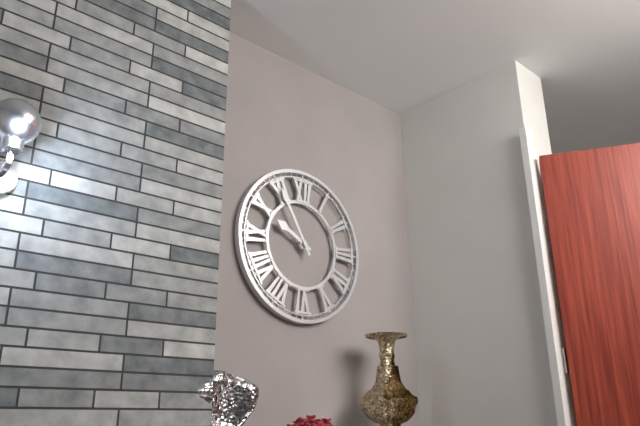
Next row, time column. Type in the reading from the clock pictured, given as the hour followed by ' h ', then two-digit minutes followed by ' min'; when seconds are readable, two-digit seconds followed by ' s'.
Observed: 9 h 55 min
